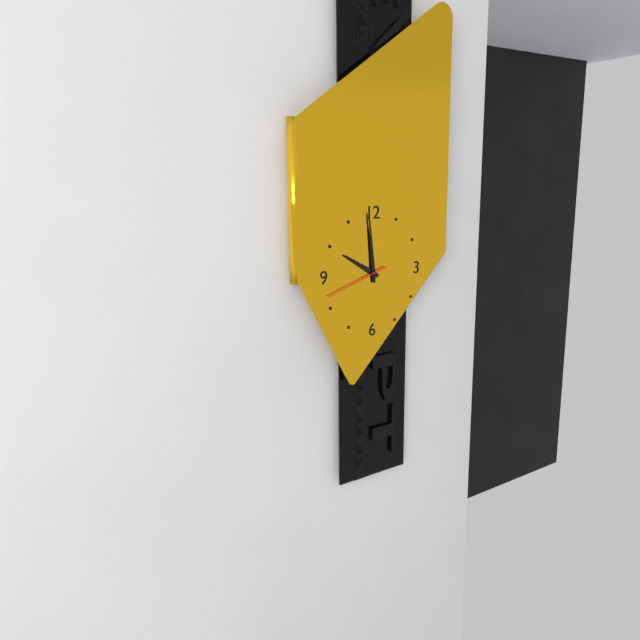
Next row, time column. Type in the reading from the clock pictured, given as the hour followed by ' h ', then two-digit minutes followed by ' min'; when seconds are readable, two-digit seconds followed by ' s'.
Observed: 9 h 59 min 42 s
